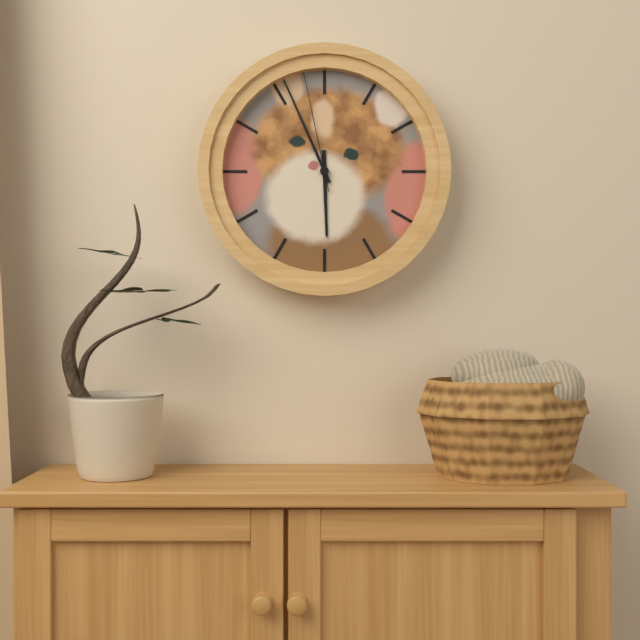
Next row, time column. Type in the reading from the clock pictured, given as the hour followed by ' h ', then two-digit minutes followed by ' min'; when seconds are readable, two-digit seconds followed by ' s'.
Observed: 5 h 56 min 58 s
